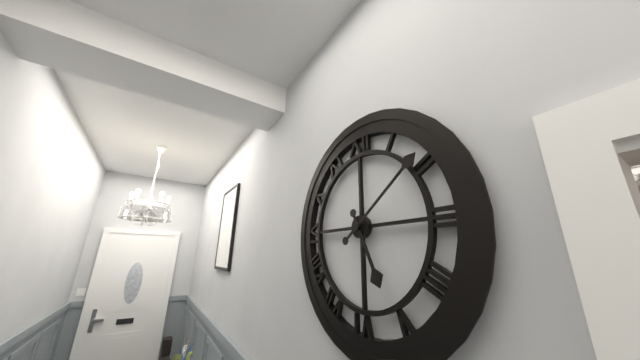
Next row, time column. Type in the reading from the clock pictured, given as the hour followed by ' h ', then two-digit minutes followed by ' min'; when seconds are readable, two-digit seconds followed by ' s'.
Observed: 5 h 09 min
